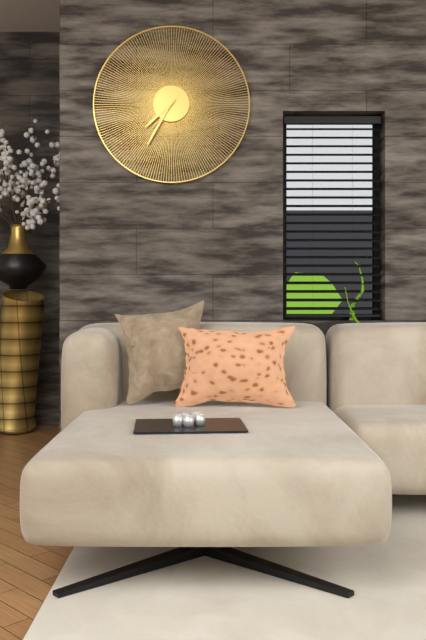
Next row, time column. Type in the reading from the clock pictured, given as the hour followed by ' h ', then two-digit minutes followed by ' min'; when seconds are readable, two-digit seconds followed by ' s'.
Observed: 7 h 35 min
